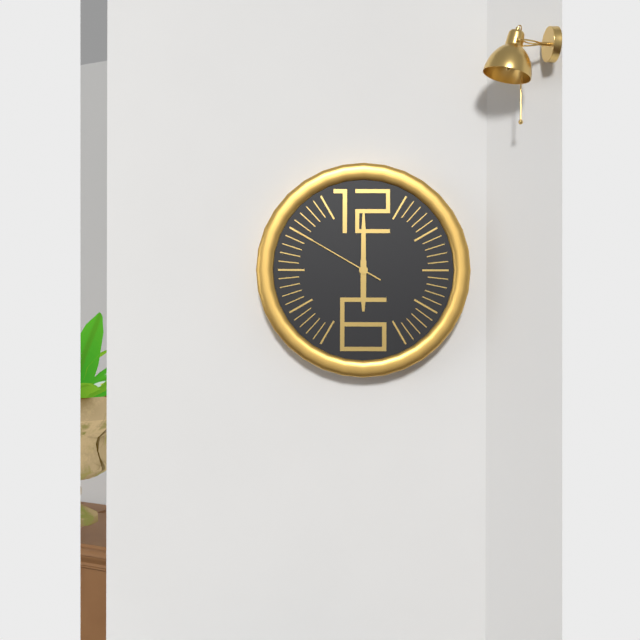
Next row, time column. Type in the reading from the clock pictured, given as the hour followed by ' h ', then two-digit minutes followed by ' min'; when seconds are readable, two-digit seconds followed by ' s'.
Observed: 6 h 00 min 50 s
